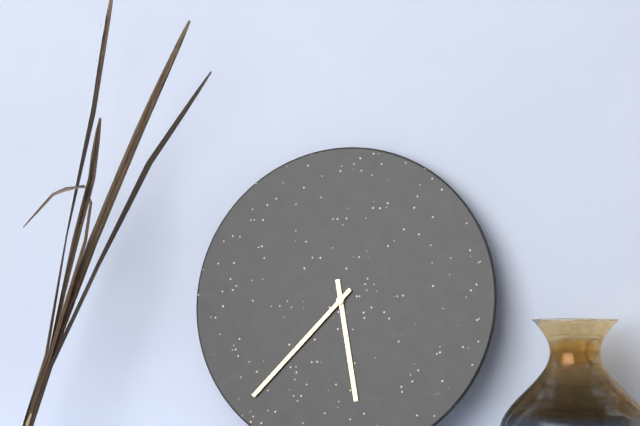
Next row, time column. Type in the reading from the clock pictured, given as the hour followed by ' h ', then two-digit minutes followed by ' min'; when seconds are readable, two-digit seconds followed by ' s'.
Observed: 5 h 37 min
